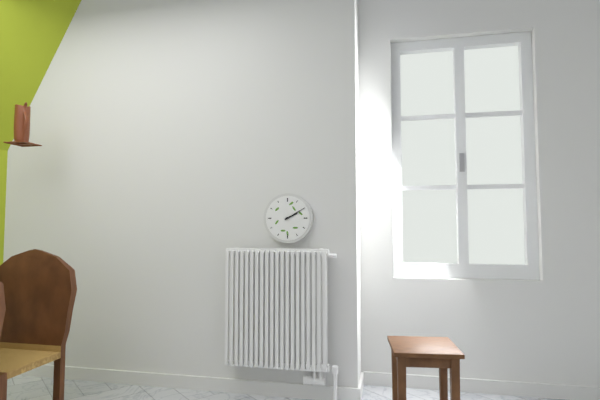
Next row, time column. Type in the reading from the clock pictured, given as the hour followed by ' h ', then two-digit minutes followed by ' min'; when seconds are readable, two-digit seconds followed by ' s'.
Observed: 2 h 10 min
